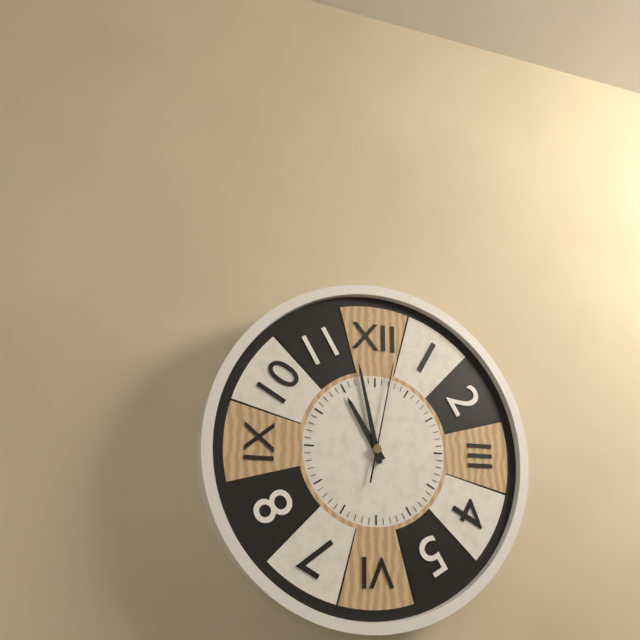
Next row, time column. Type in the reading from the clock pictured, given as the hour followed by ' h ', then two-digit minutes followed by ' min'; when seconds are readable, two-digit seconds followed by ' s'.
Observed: 10 h 58 min 02 s
